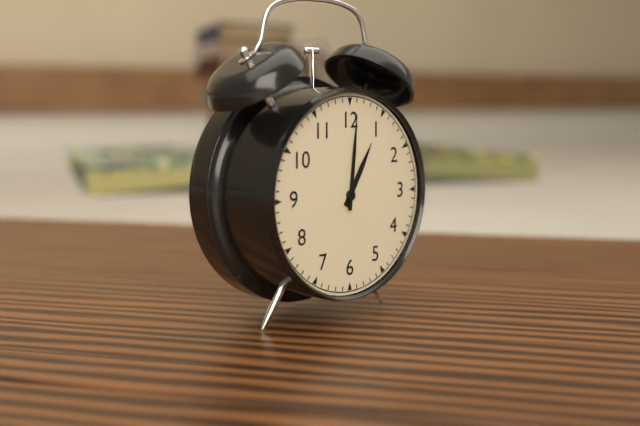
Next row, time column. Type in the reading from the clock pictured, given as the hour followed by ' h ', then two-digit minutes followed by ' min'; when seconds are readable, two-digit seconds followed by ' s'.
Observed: 1 h 01 min
